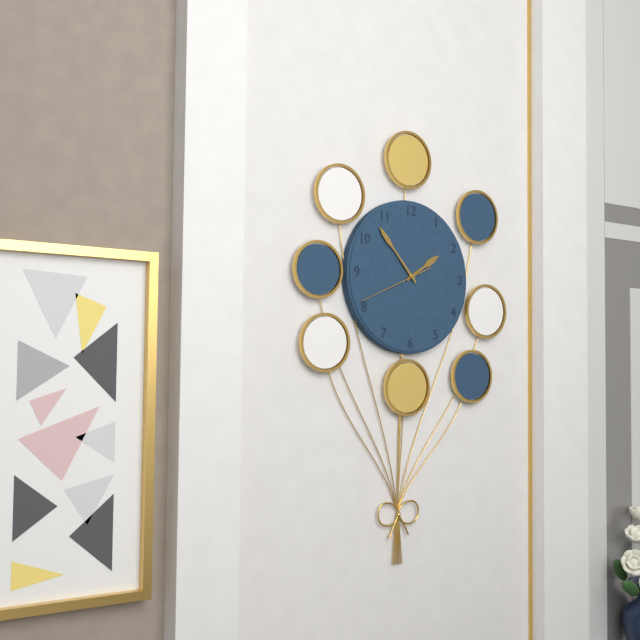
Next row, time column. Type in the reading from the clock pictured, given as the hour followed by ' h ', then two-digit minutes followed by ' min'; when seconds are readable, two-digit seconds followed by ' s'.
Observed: 1 h 53 min 41 s
